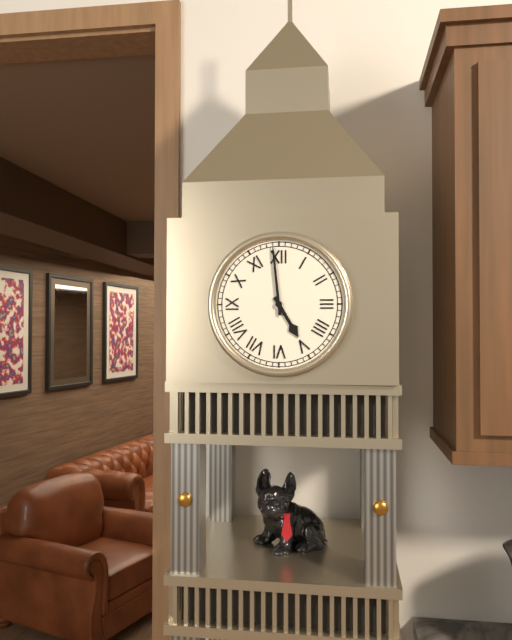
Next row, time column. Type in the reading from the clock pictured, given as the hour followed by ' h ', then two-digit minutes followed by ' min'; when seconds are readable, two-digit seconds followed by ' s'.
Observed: 4 h 59 min
